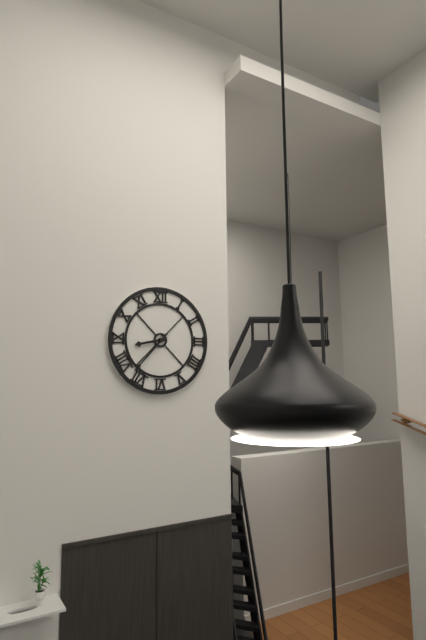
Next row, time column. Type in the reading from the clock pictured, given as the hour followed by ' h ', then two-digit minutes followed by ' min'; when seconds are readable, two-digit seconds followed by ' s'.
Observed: 8 h 37 min
